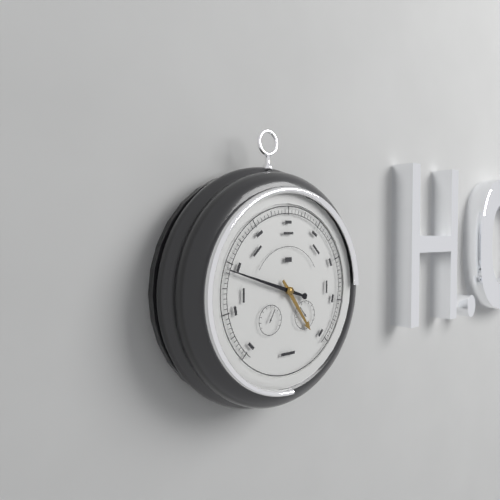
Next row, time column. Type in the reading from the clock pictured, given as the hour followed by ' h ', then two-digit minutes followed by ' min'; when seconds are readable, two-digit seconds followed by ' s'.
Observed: 4 h 48 min
